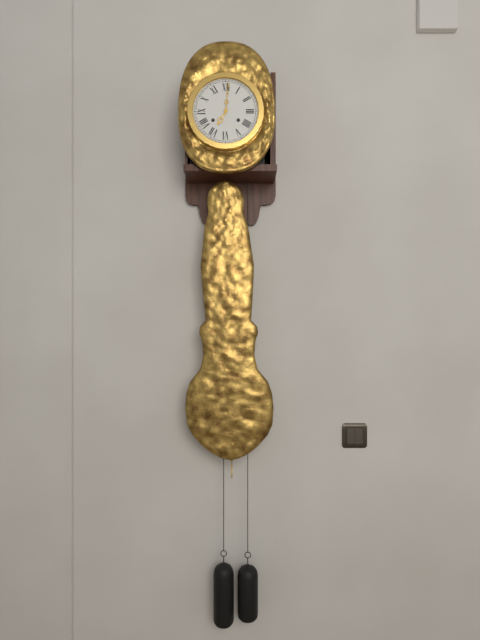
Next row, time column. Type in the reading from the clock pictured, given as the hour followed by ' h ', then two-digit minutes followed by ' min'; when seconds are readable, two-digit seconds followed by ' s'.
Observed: 7 h 01 min
